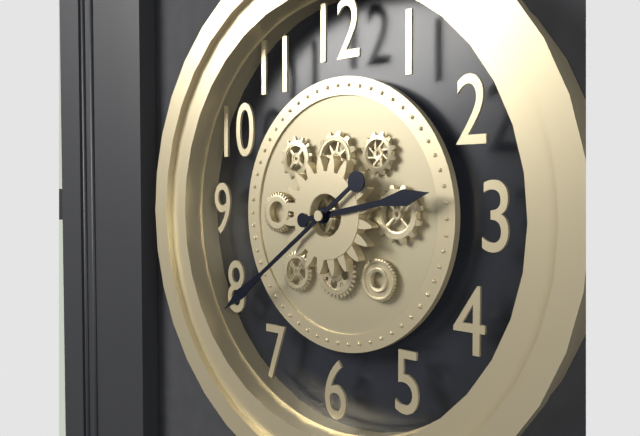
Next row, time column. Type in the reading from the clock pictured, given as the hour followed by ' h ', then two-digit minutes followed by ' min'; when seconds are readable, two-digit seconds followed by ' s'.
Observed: 2 h 39 min
